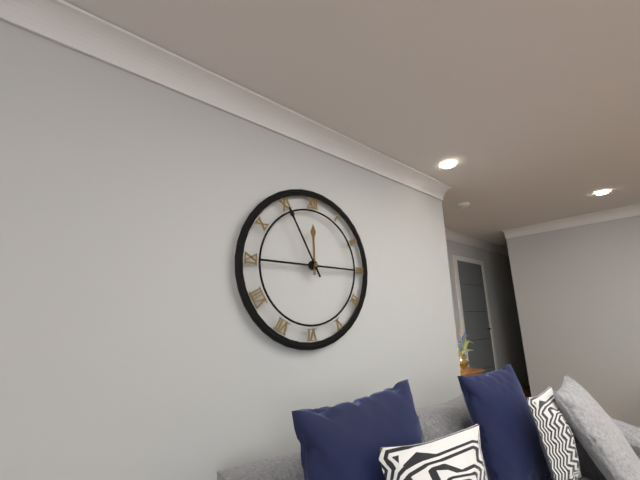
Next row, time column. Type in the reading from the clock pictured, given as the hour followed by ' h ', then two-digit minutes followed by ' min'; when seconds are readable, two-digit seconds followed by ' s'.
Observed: 11 h 55 min
